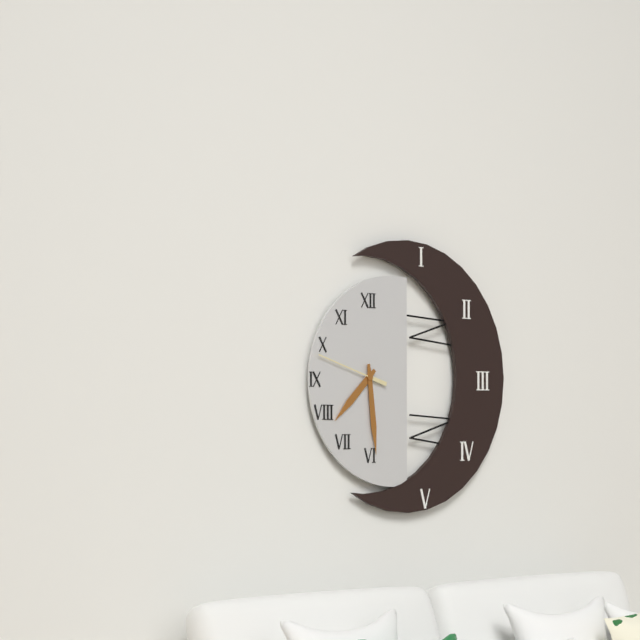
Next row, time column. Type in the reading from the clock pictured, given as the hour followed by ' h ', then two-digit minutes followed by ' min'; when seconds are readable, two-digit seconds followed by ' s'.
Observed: 7 h 29 min 48 s
